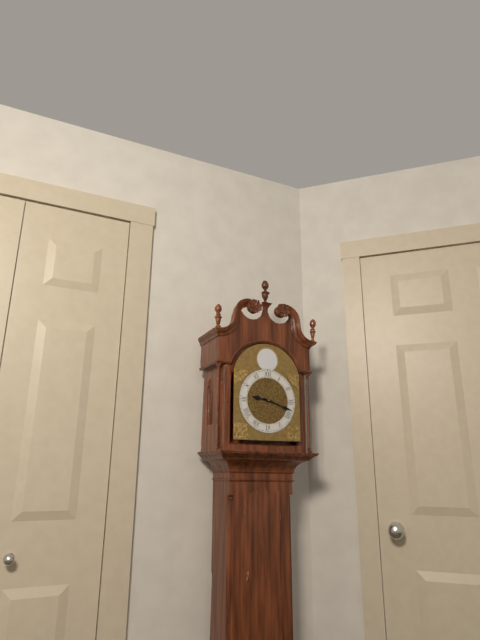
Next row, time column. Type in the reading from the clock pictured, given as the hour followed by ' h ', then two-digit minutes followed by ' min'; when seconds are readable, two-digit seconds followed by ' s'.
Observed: 9 h 18 min
